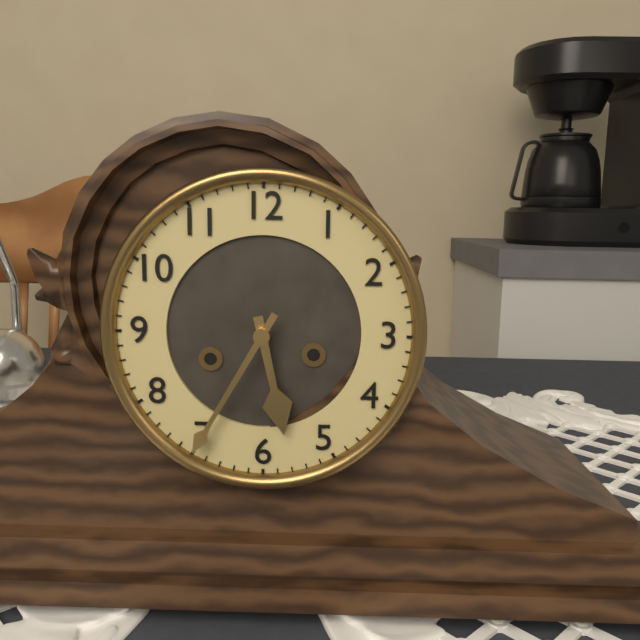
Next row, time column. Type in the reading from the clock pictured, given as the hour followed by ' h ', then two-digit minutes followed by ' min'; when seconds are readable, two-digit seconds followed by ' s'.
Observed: 5 h 35 min
